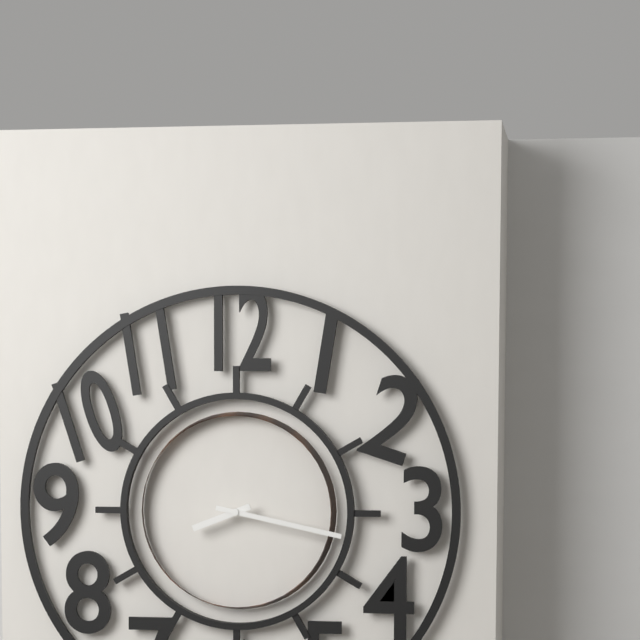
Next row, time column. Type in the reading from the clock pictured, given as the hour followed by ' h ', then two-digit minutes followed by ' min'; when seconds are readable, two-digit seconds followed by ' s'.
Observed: 8 h 17 min
